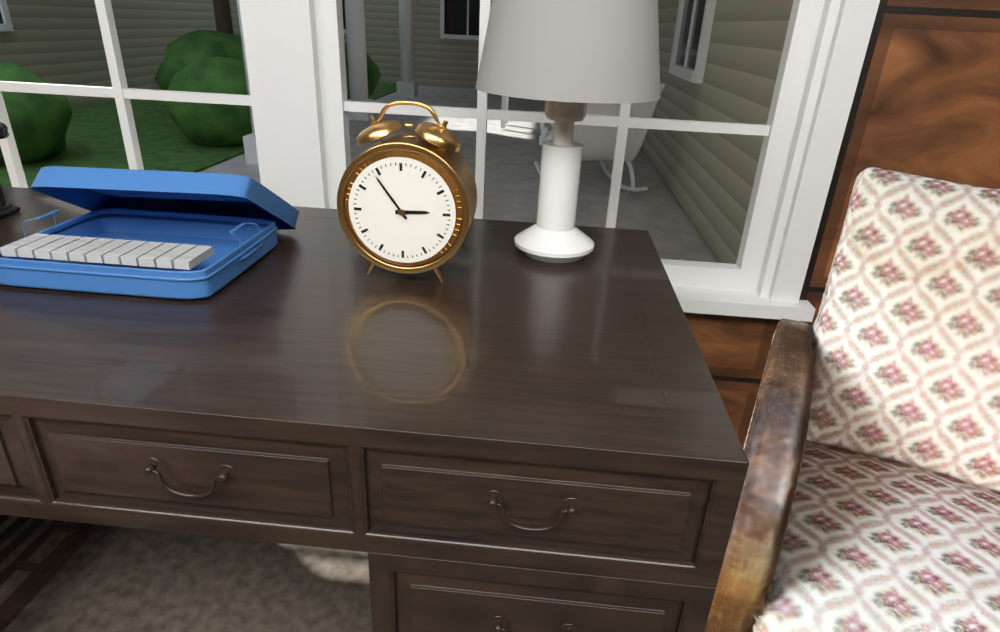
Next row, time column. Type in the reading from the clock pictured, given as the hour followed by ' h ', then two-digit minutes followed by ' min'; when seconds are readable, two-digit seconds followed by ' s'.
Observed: 2 h 54 min
